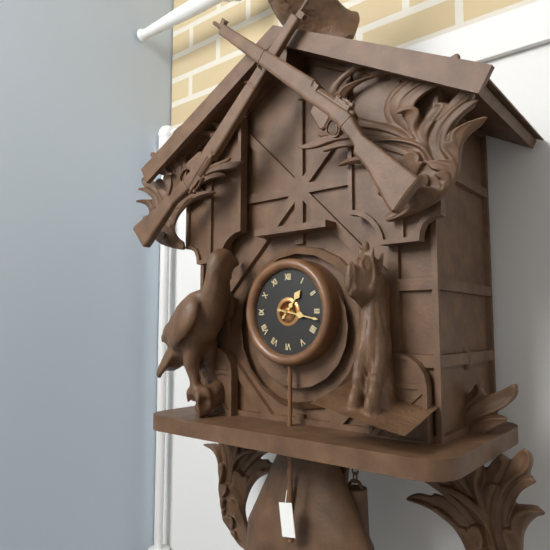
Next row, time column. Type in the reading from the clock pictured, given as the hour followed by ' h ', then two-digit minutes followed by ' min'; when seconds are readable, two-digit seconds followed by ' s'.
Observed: 1 h 17 min
